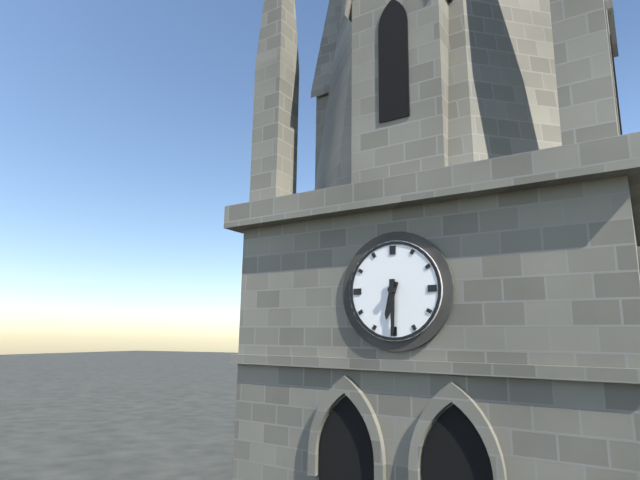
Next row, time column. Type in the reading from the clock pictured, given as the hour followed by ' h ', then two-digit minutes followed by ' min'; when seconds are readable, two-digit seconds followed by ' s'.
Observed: 6 h 30 min
